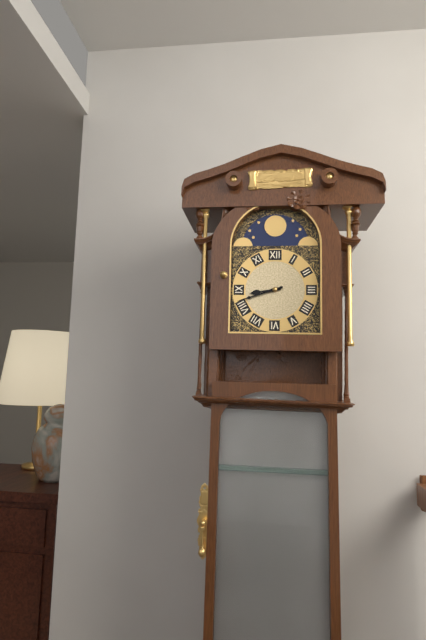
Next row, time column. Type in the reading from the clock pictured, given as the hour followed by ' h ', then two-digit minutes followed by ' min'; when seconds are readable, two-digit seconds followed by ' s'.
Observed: 8 h 42 min
